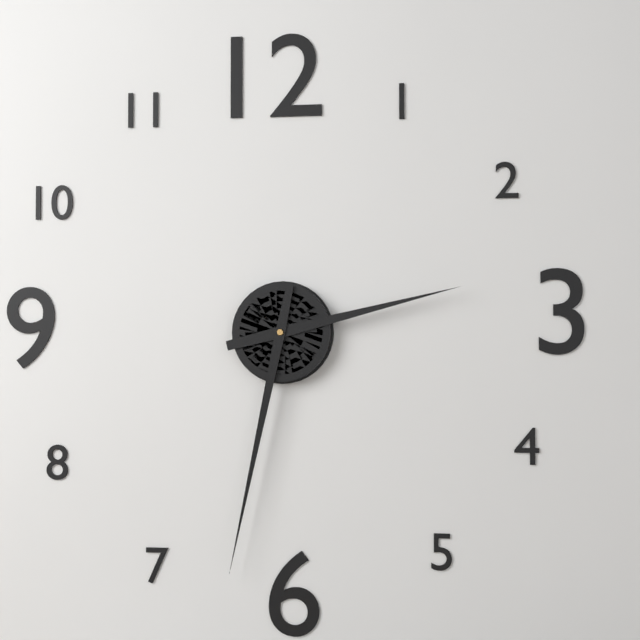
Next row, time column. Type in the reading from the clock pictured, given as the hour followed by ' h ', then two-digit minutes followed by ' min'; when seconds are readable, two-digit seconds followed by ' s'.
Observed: 2 h 32 min
